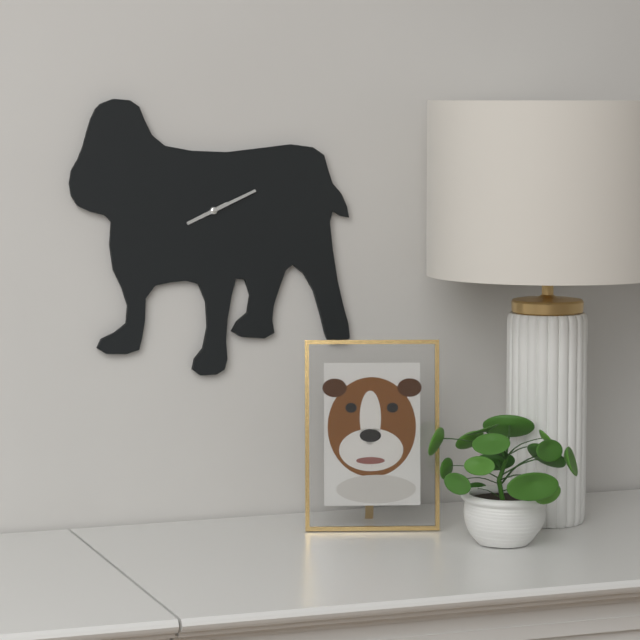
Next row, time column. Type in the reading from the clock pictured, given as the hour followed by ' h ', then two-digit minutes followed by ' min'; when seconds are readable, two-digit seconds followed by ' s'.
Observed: 8 h 11 min
